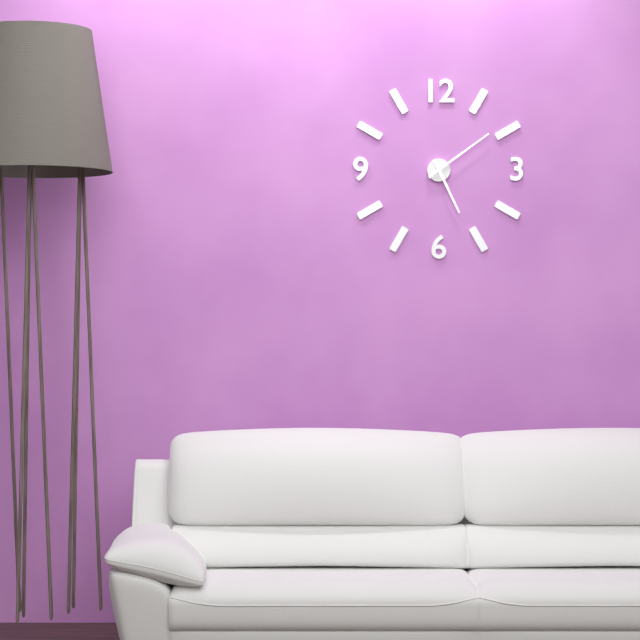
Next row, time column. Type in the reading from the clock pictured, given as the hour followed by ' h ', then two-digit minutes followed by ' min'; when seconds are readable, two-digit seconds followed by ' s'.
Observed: 5 h 09 min
